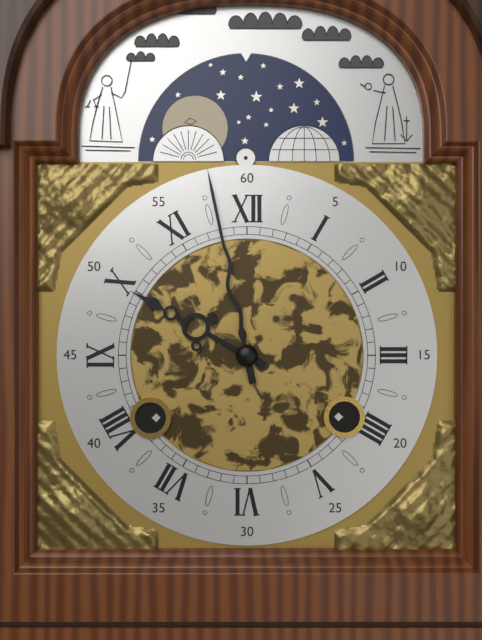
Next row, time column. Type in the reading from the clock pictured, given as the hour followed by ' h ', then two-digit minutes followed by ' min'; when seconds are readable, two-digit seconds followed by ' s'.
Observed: 9 h 58 min
